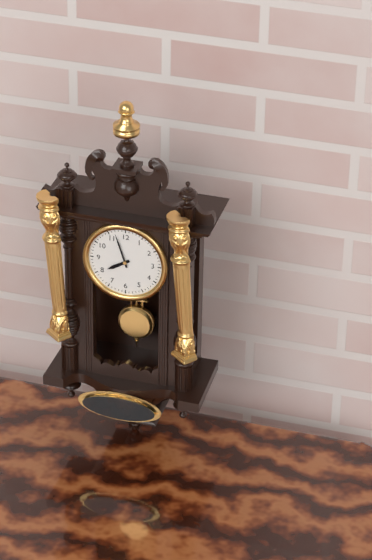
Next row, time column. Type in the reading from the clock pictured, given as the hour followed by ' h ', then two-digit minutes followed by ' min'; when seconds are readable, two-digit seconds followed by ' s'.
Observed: 7 h 57 min
